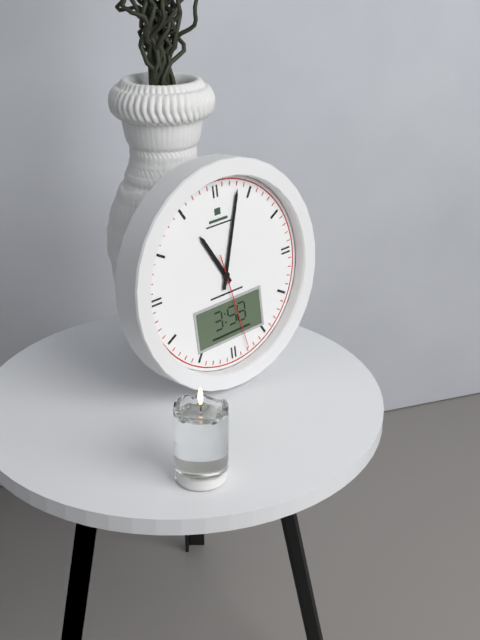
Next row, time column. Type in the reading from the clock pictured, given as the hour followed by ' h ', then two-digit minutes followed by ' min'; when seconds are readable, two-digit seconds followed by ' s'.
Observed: 11 h 03 min 28 s
